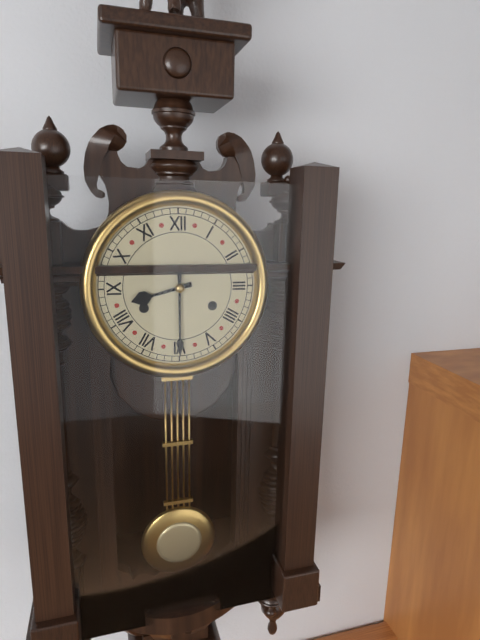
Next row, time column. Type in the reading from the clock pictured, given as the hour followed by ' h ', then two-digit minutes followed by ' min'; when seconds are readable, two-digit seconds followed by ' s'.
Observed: 8 h 30 min
